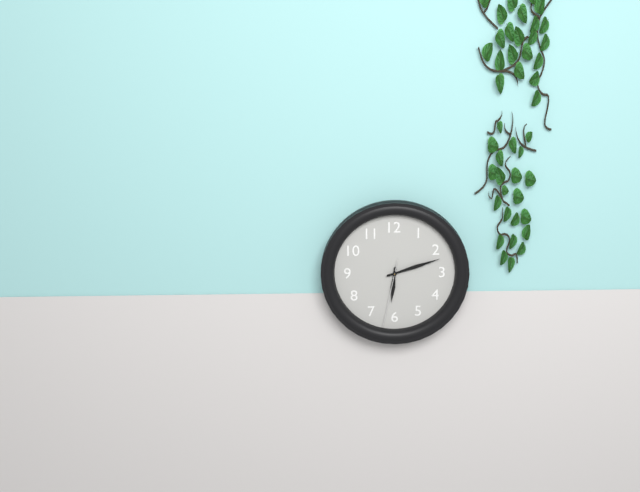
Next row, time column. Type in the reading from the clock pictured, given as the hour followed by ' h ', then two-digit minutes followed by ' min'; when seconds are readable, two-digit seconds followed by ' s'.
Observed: 6 h 12 min 32 s
